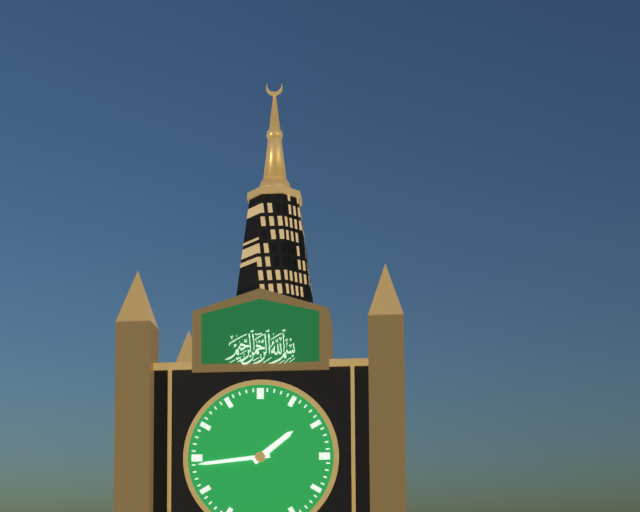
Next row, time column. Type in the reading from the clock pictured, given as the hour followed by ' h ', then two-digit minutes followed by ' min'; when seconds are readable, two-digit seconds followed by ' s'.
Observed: 1 h 44 min
